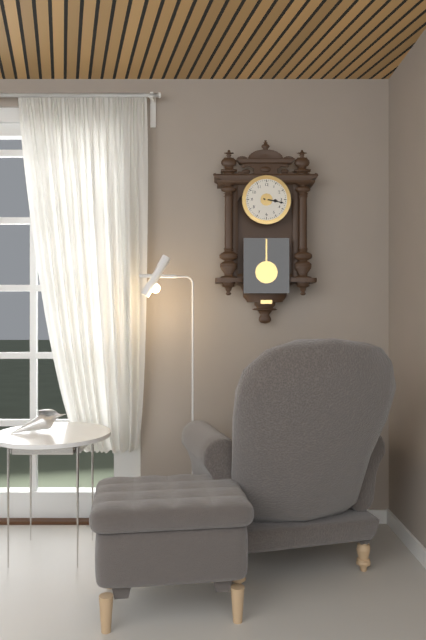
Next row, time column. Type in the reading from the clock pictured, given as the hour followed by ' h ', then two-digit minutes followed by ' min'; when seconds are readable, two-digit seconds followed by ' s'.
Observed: 3 h 17 min
